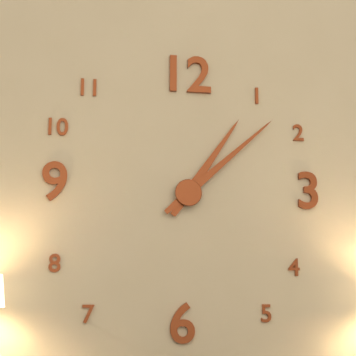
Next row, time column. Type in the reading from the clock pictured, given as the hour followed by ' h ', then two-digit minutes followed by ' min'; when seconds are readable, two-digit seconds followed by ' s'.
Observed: 1 h 08 min
